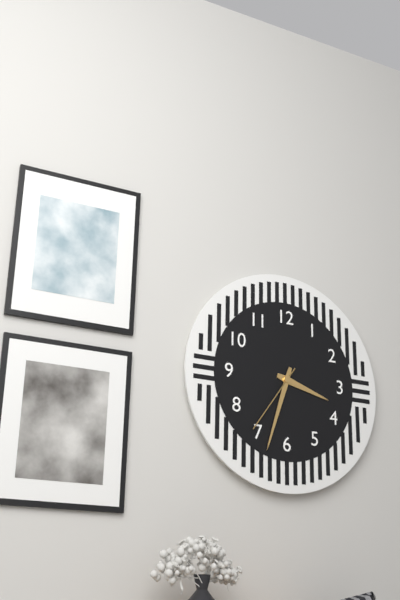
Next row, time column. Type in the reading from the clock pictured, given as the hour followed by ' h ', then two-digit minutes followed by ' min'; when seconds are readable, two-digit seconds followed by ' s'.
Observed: 3 h 33 min 36 s
